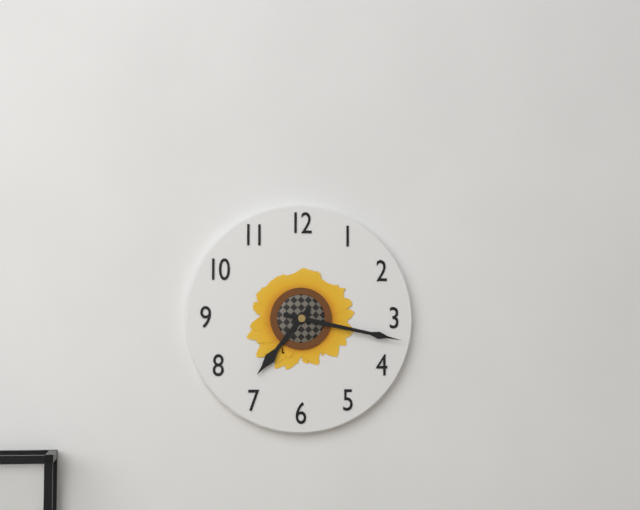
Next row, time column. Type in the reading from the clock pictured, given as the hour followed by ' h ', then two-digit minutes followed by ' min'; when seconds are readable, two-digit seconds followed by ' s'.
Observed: 7 h 17 min
